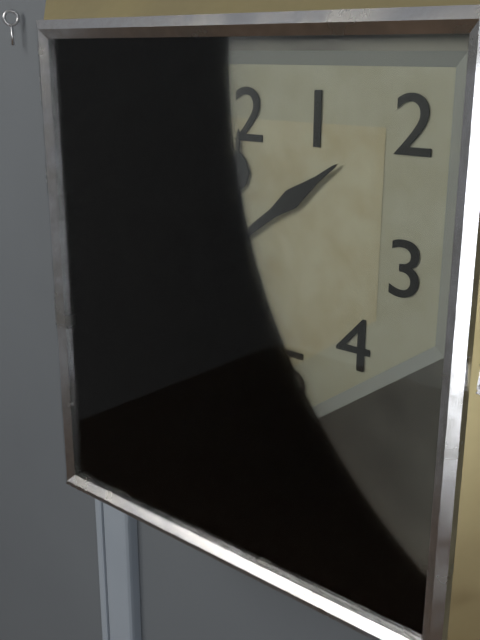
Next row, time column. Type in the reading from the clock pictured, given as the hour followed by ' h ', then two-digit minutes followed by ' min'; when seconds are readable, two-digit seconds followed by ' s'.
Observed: 12 h 09 min
